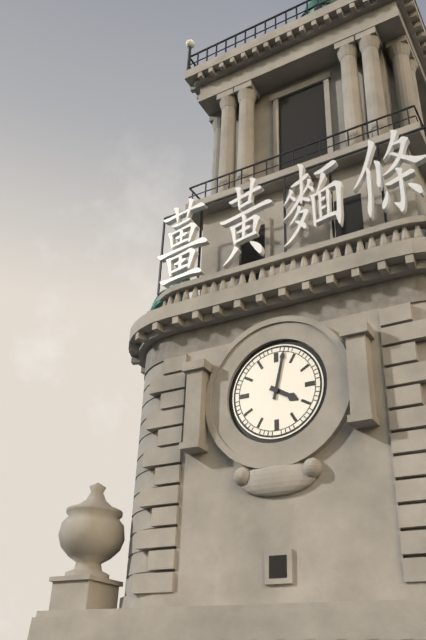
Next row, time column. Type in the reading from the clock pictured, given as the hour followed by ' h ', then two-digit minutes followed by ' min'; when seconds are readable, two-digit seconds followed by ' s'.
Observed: 4 h 02 min
